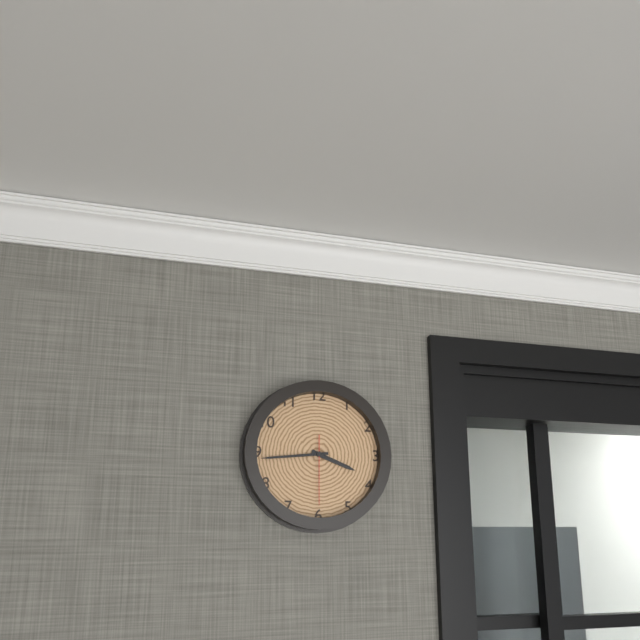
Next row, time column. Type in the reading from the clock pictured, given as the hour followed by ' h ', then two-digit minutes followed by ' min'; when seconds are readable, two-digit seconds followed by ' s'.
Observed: 3 h 44 min 30 s
